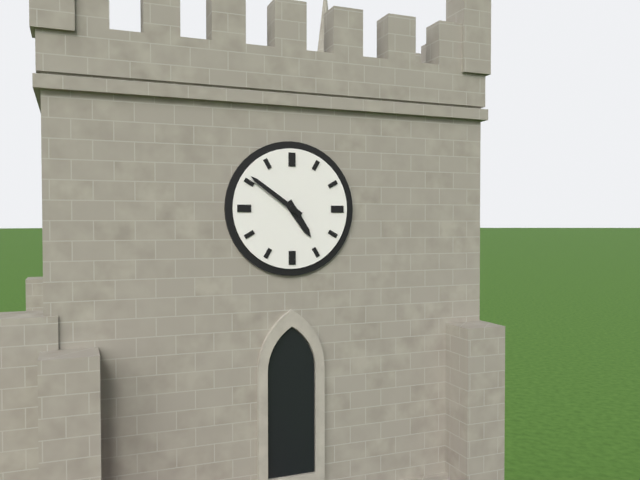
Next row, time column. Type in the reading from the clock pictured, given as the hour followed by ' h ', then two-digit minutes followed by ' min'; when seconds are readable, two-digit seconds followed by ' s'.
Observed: 4 h 51 min
